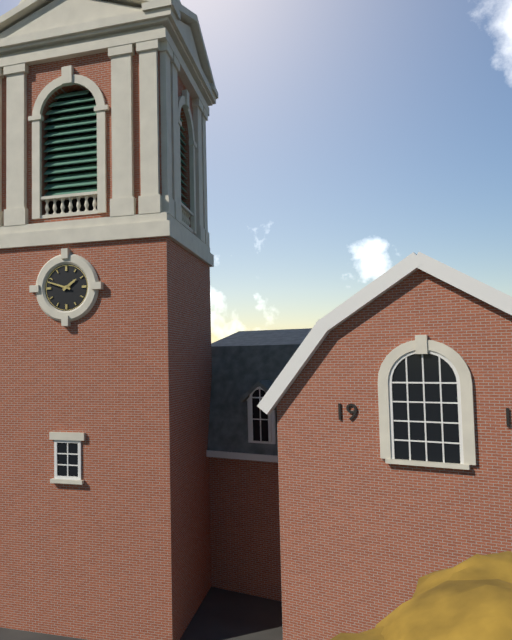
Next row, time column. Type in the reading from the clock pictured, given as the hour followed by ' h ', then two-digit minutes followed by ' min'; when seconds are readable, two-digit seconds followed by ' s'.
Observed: 1 h 48 min
